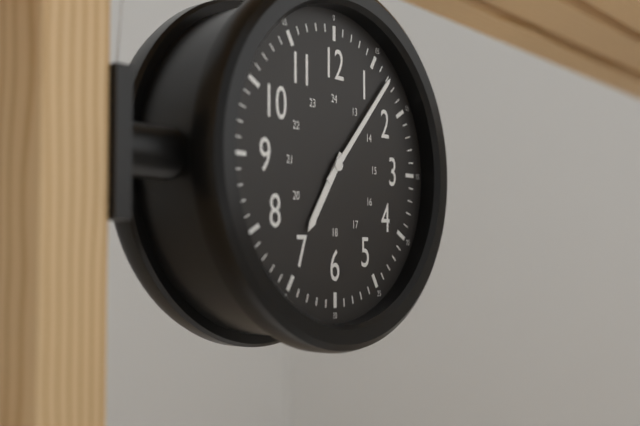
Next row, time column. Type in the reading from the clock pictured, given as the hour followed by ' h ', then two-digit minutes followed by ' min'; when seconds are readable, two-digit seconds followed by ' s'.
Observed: 7 h 07 min
